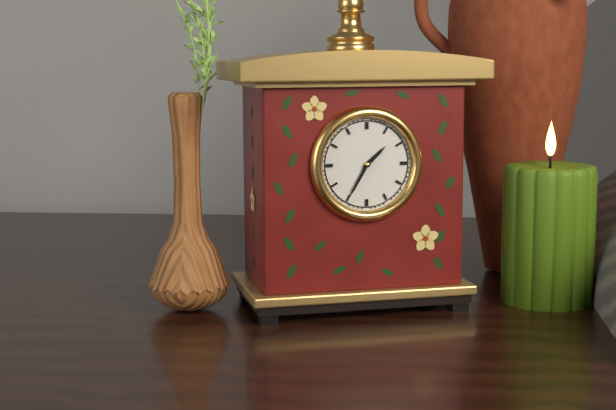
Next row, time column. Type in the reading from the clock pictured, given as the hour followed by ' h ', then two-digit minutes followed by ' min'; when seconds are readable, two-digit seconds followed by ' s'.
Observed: 1 h 35 min
